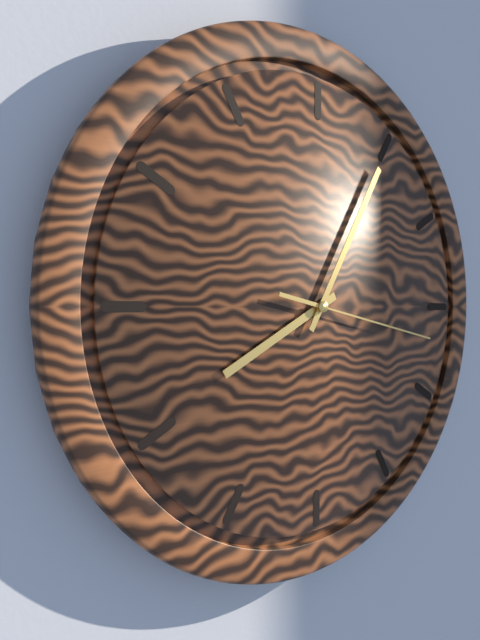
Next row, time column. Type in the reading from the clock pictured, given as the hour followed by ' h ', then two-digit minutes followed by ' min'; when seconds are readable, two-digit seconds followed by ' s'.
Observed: 8 h 05 min 17 s
